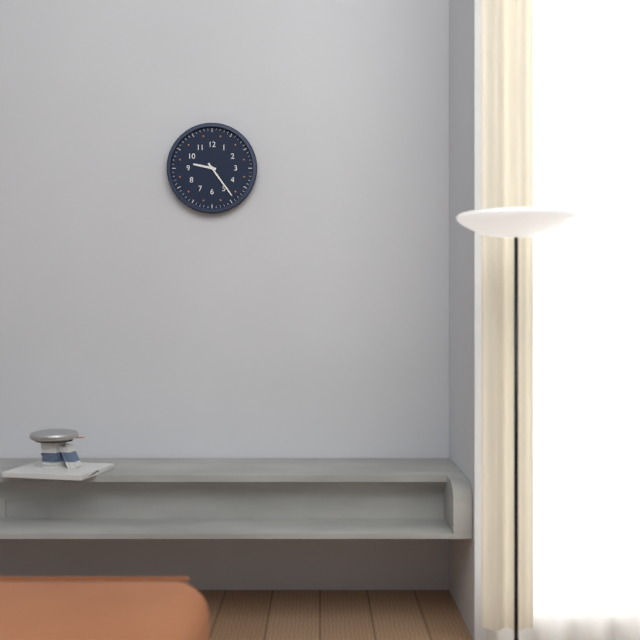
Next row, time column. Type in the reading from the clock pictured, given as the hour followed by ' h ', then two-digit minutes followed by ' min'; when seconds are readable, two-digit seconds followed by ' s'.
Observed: 9 h 24 min
